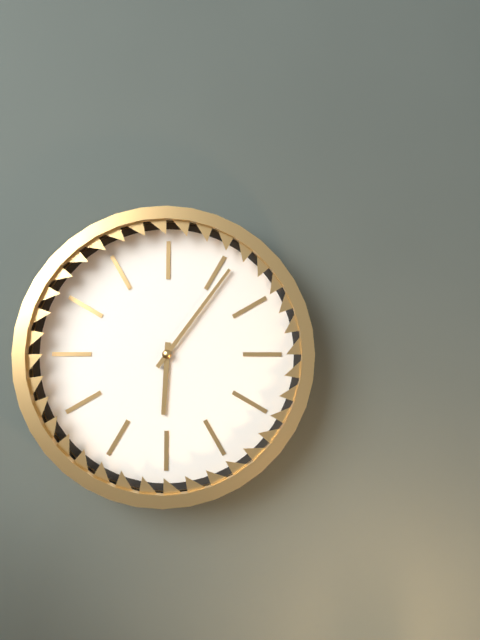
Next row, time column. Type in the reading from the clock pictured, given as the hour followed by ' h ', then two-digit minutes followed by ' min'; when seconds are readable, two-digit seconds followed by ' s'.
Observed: 6 h 06 min
